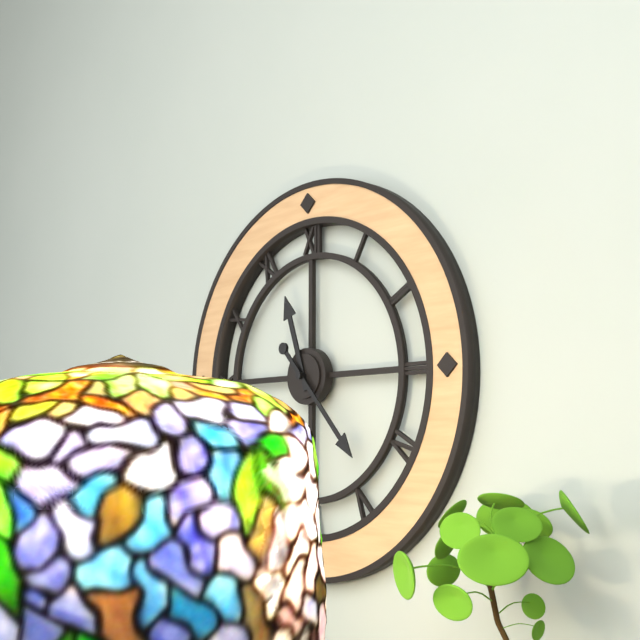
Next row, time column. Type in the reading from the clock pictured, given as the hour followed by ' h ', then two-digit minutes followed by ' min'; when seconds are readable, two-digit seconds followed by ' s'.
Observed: 11 h 23 min
